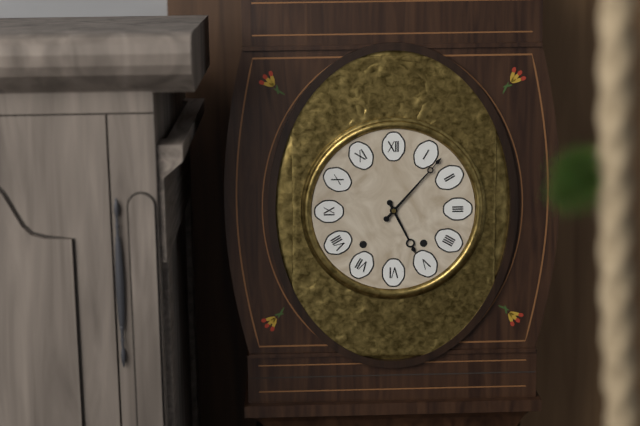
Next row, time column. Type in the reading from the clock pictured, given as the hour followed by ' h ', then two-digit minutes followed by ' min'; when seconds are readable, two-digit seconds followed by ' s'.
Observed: 5 h 07 min
